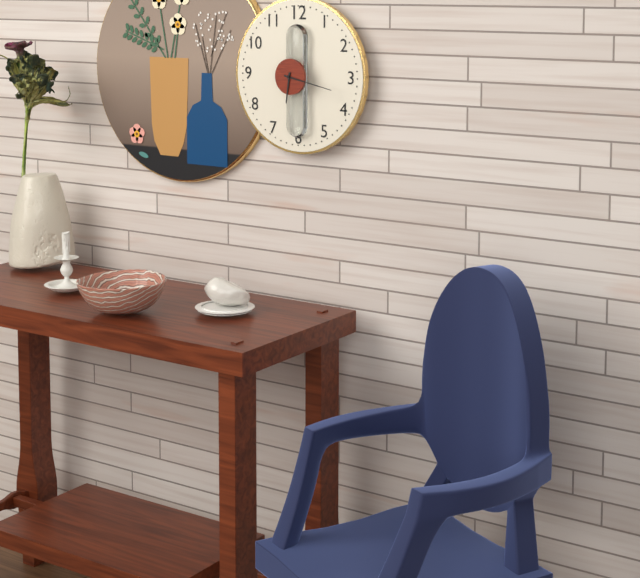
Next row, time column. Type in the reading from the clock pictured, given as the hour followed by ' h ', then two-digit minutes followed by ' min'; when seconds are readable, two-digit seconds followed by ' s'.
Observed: 6 h 17 min
